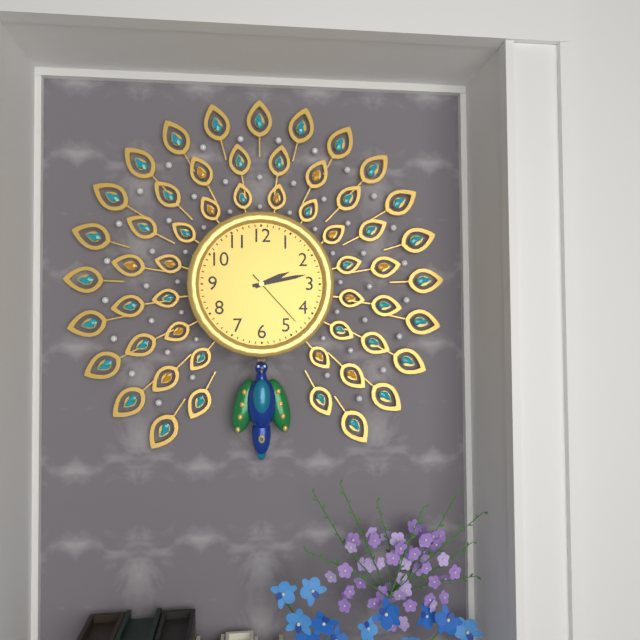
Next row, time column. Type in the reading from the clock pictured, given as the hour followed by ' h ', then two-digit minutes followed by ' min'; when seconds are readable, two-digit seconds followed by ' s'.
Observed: 2 h 13 min 23 s
